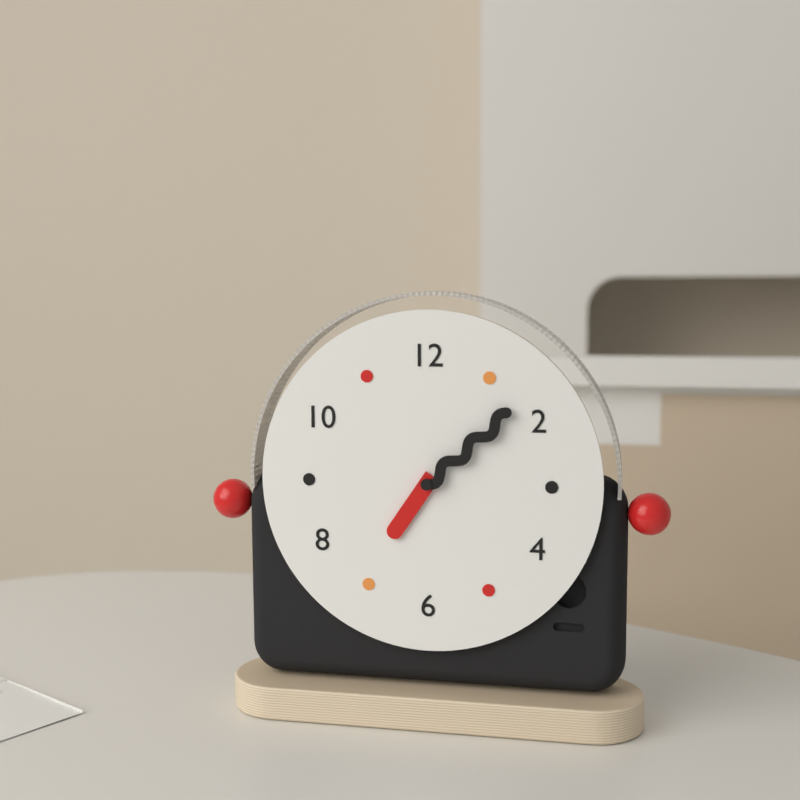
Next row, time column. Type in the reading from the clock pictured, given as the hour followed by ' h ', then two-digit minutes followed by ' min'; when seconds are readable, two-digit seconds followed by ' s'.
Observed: 7 h 08 min
